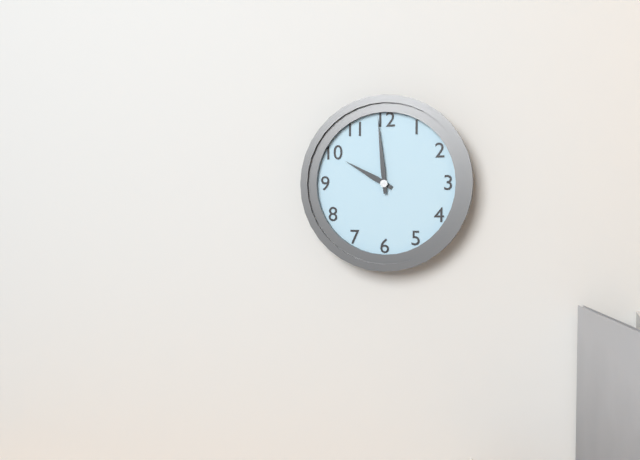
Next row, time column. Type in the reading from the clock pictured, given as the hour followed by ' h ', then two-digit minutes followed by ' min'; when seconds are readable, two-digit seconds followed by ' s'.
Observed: 9 h 59 min
